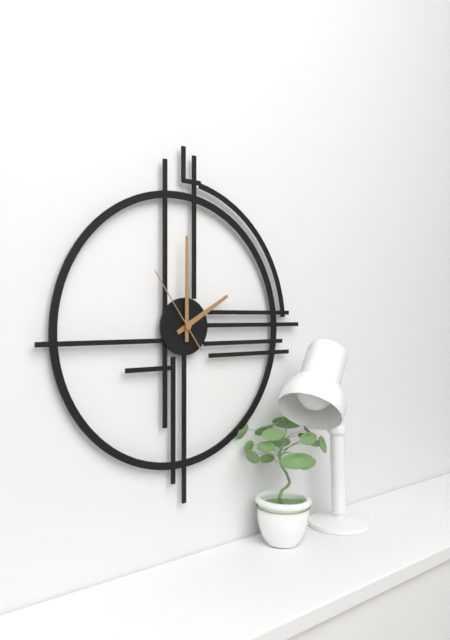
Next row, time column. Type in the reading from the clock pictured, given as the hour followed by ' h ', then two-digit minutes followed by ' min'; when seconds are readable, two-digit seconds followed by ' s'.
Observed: 2 h 00 min 54 s
